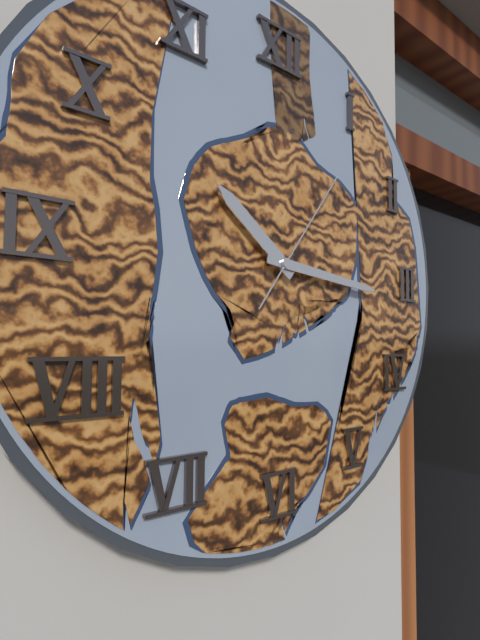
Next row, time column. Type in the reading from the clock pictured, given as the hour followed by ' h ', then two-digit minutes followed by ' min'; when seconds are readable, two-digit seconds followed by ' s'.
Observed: 10 h 16 min 06 s
